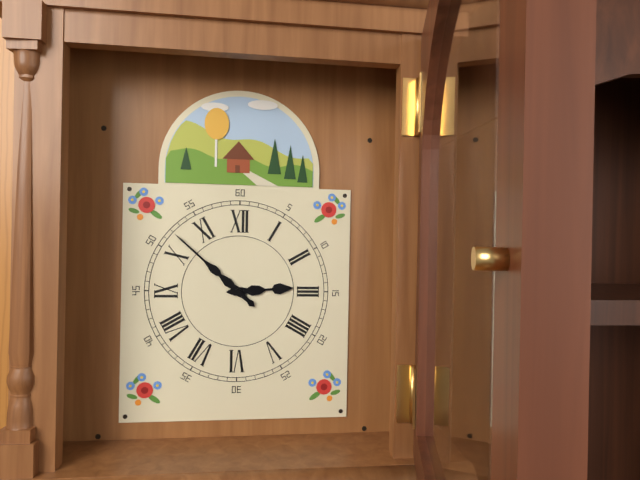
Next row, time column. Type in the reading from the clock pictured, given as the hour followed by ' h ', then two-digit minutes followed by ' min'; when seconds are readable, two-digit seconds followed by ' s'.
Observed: 2 h 52 min
